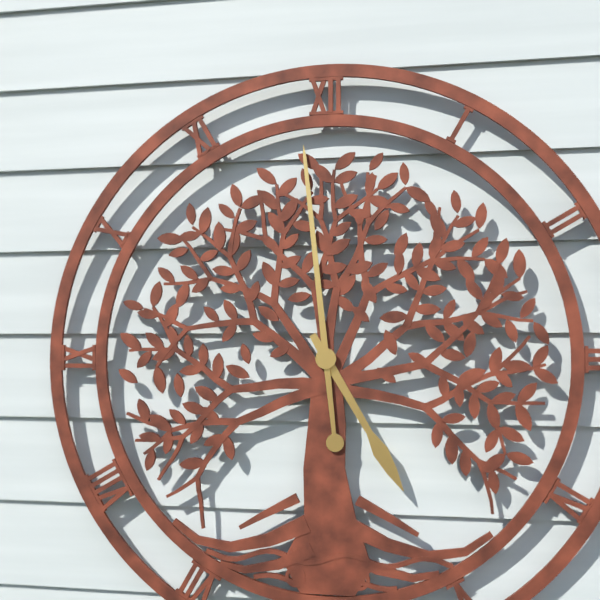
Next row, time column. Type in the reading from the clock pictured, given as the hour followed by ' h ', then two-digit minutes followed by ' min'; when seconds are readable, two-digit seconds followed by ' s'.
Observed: 4 h 59 min
